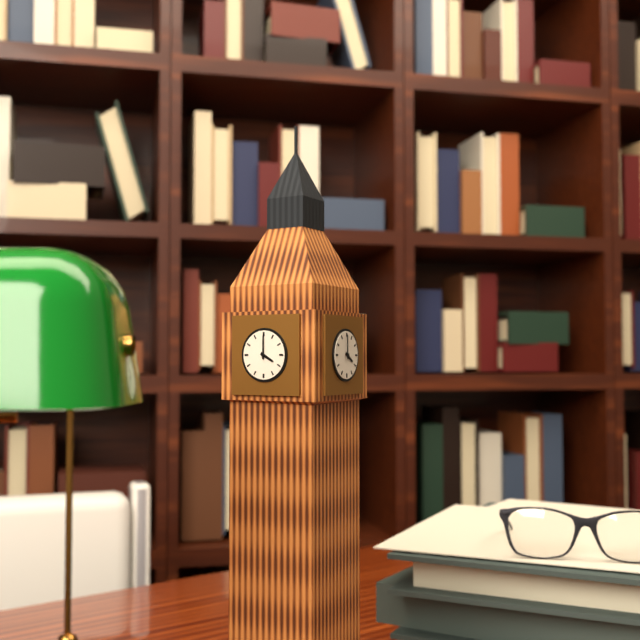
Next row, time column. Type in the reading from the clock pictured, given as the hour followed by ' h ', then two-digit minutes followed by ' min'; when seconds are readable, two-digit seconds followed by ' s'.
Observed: 4 h 00 min
